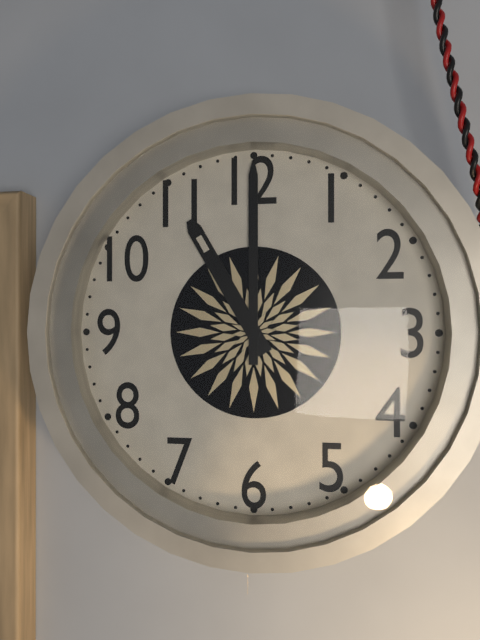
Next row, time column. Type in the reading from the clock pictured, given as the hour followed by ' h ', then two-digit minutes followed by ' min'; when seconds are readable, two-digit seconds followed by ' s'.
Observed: 11 h 00 min
